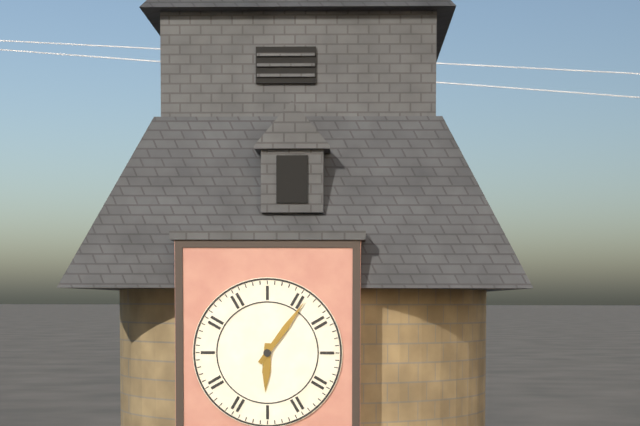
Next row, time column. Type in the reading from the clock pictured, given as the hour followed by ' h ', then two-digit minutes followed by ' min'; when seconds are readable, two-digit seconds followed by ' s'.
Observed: 6 h 06 min
